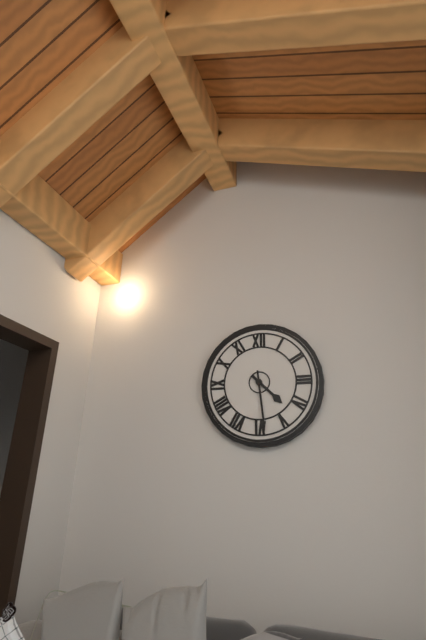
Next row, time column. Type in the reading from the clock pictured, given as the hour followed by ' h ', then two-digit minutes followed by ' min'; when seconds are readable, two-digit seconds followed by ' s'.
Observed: 4 h 29 min
